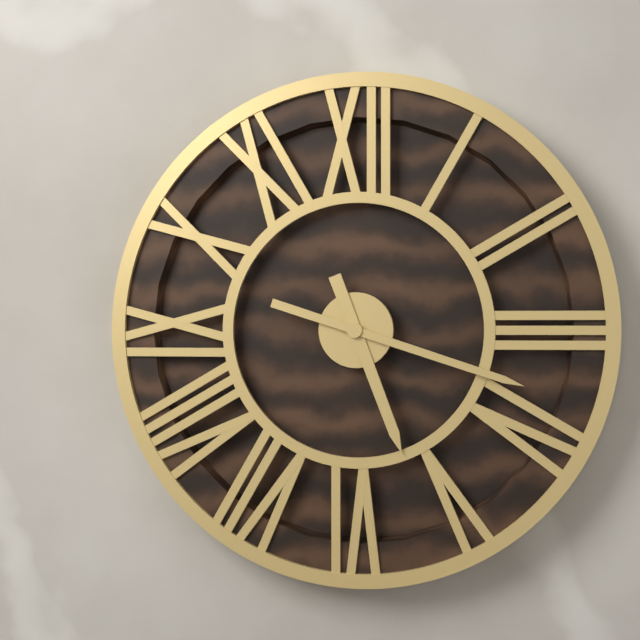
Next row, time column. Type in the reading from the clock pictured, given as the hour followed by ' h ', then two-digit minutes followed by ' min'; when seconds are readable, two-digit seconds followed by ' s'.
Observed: 5 h 18 min
